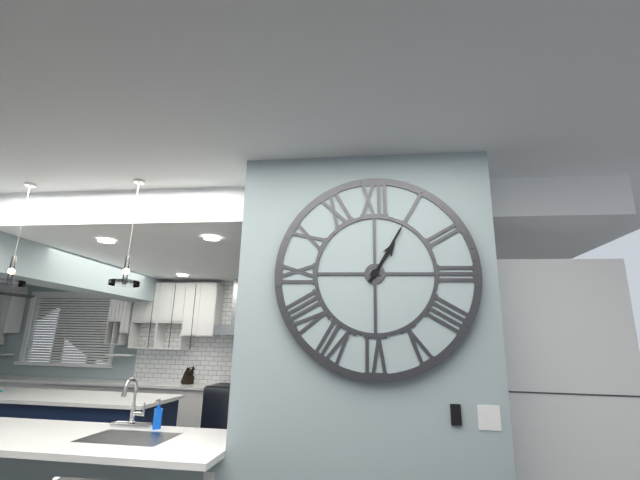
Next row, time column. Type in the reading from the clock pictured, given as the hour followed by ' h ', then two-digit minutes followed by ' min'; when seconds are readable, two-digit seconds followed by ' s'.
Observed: 1 h 05 min
